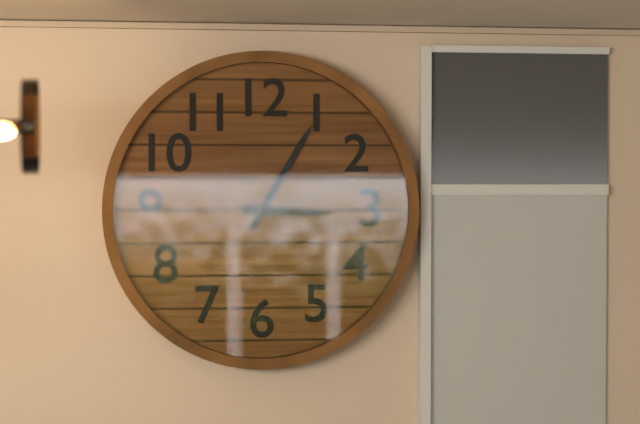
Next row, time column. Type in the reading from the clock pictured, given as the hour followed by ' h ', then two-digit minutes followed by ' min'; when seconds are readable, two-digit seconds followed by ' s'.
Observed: 3 h 05 min
